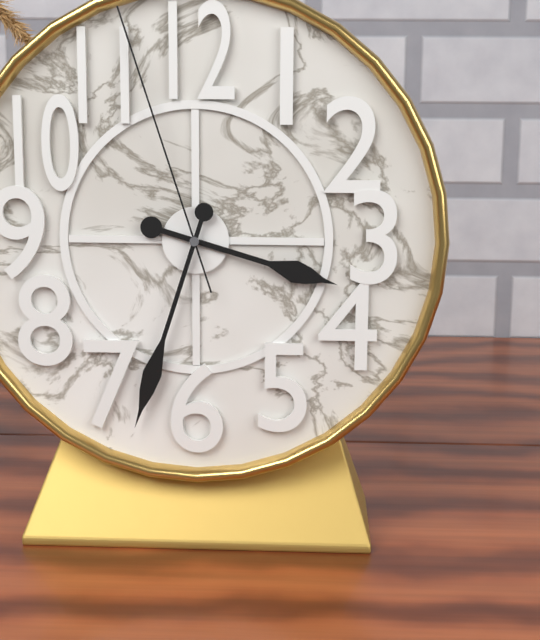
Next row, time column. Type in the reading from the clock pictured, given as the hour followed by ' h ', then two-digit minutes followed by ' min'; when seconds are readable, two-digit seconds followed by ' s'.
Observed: 3 h 33 min 57 s
